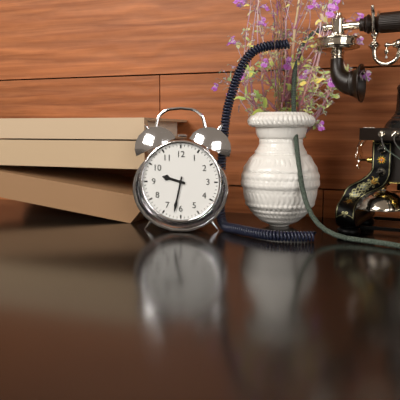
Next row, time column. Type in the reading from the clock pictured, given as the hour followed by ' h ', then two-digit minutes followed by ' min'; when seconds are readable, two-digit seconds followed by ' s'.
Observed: 9 h 32 min
